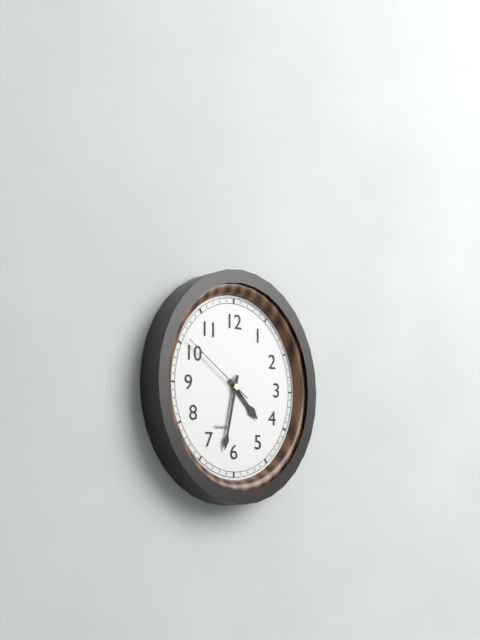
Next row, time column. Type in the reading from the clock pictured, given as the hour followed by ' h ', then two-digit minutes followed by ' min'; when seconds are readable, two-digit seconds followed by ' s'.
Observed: 4 h 32 min 51 s
